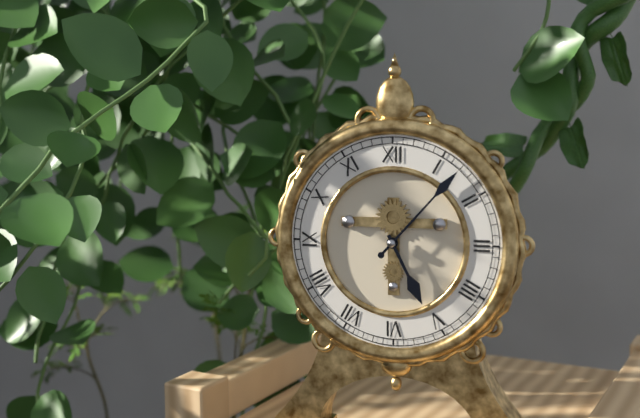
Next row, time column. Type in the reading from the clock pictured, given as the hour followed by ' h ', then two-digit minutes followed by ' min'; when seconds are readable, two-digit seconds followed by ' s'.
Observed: 5 h 07 min
